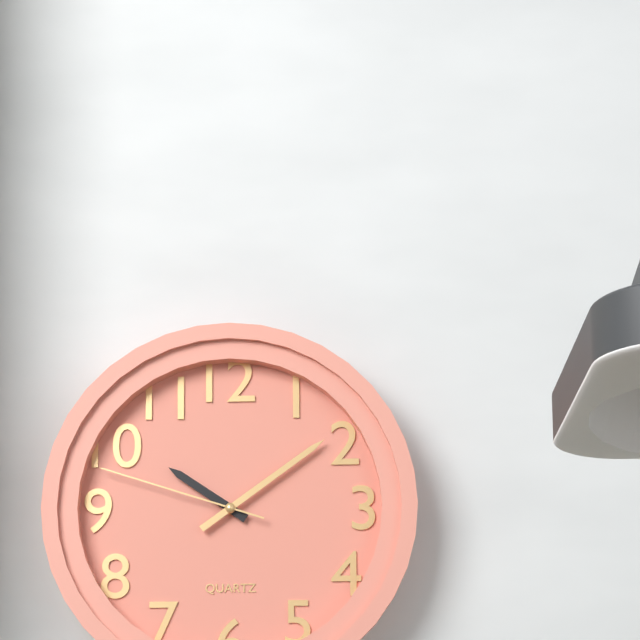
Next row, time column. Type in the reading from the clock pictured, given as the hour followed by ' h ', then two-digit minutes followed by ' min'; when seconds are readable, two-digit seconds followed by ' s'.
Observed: 10 h 09 min 48 s
